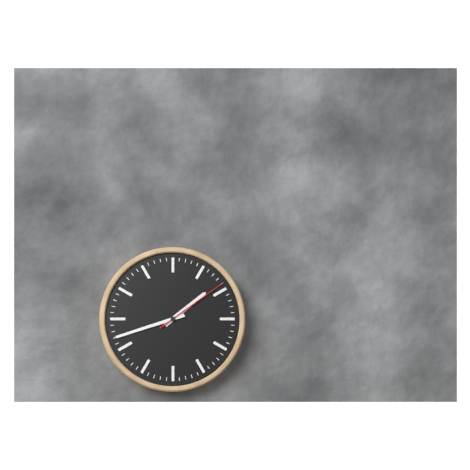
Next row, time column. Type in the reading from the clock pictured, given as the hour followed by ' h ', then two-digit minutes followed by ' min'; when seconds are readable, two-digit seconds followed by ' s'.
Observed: 1 h 42 min 09 s
